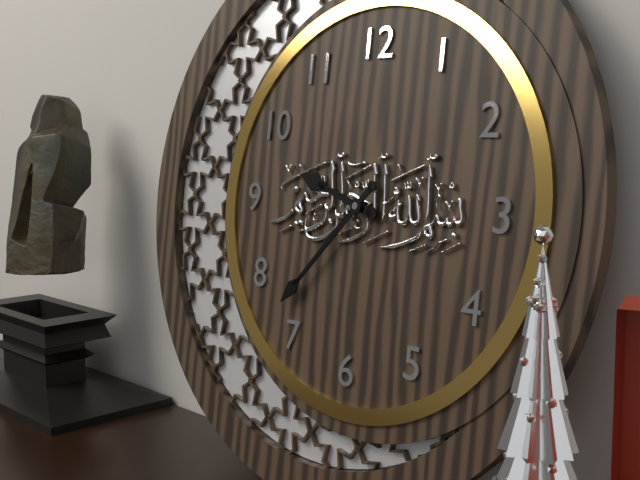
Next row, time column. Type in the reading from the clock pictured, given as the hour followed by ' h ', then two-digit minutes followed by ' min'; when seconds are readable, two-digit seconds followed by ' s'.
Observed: 9 h 37 min
